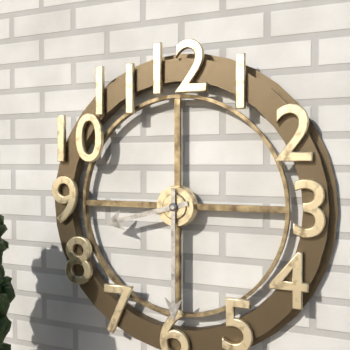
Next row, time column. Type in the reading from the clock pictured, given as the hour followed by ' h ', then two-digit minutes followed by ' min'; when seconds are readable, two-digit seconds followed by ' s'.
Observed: 8 h 30 min
